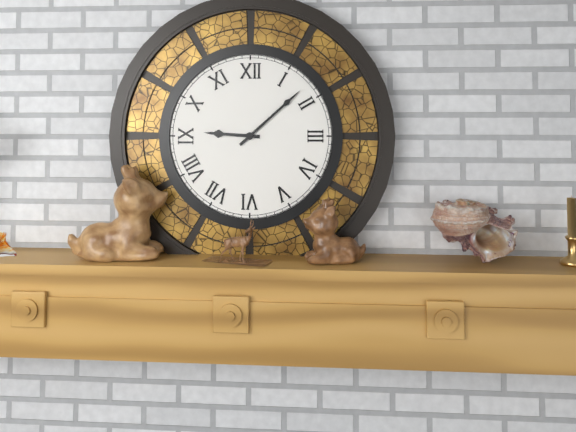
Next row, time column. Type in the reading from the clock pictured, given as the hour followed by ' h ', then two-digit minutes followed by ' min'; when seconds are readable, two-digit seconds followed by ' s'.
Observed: 9 h 08 min
